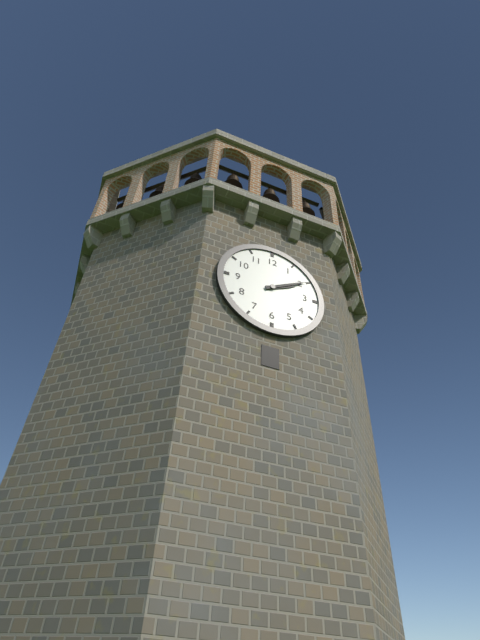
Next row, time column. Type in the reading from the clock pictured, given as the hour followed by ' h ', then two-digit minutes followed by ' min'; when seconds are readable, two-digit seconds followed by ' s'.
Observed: 2 h 10 min
